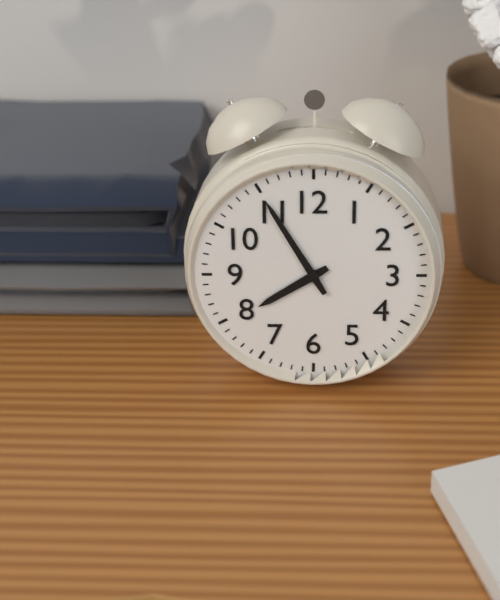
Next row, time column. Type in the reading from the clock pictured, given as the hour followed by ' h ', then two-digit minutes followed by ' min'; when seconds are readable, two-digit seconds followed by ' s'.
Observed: 7 h 55 min
